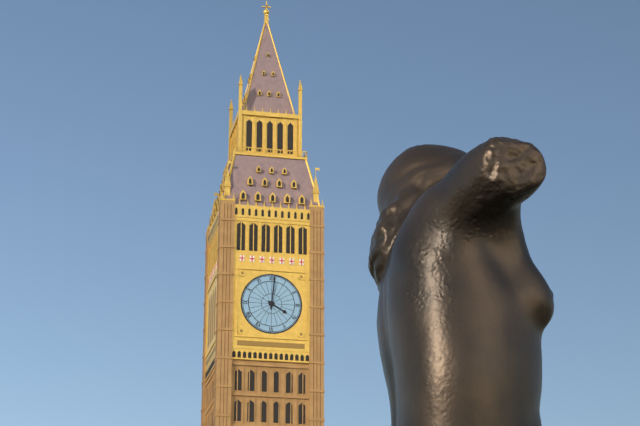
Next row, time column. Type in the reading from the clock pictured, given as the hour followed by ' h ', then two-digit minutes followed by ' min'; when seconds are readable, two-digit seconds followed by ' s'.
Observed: 4 h 01 min
